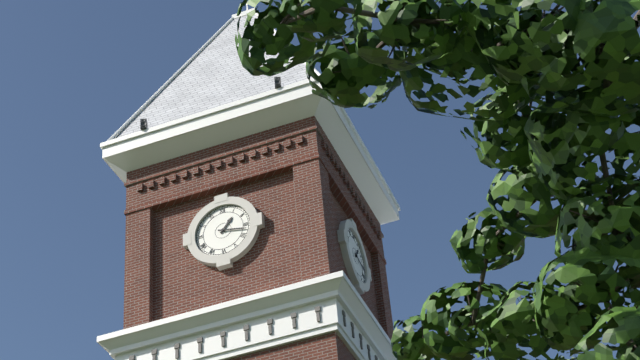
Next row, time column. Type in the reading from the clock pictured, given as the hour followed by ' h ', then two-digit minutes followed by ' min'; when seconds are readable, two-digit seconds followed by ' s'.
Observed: 1 h 17 min
